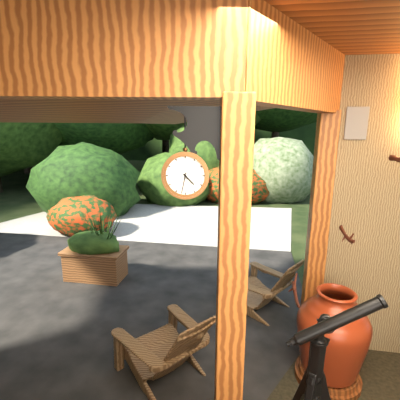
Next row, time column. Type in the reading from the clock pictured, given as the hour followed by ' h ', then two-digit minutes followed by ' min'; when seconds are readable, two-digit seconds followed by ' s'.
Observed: 4 h 32 min
